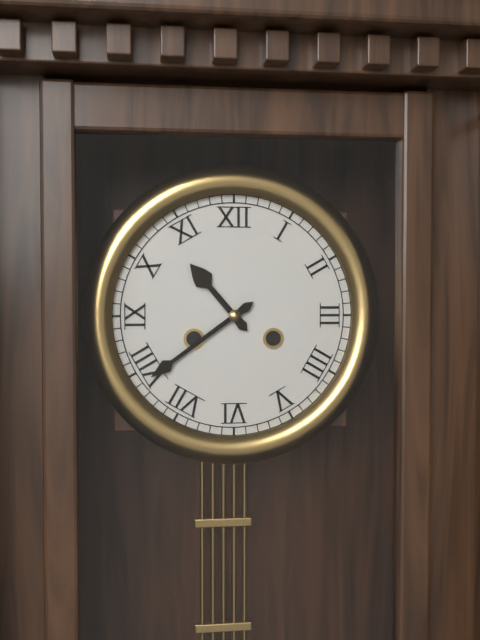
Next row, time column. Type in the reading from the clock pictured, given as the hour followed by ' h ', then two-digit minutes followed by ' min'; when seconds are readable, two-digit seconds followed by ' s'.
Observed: 10 h 39 min
